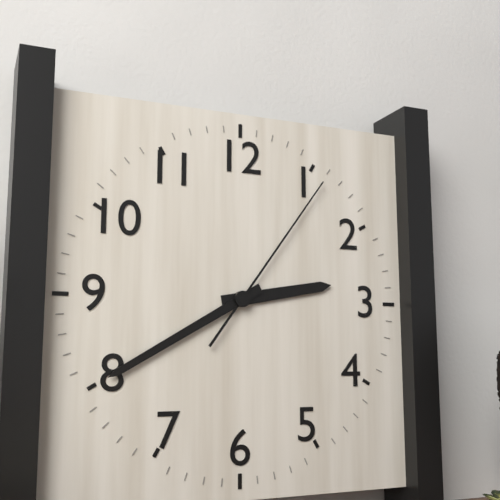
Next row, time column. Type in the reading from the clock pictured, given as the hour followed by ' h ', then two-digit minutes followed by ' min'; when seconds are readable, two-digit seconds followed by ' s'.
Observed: 2 h 40 min 06 s
